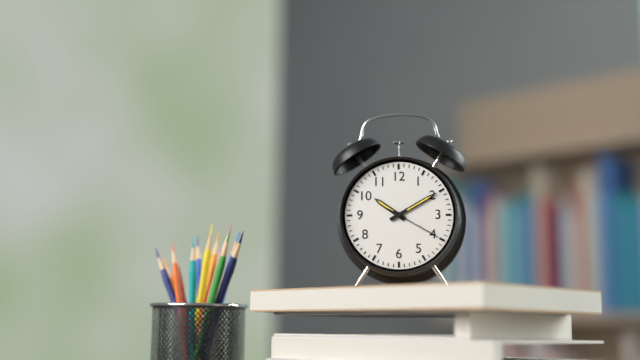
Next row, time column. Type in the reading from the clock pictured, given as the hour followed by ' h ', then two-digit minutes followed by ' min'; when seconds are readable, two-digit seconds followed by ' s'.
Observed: 10 h 10 min 20 s
